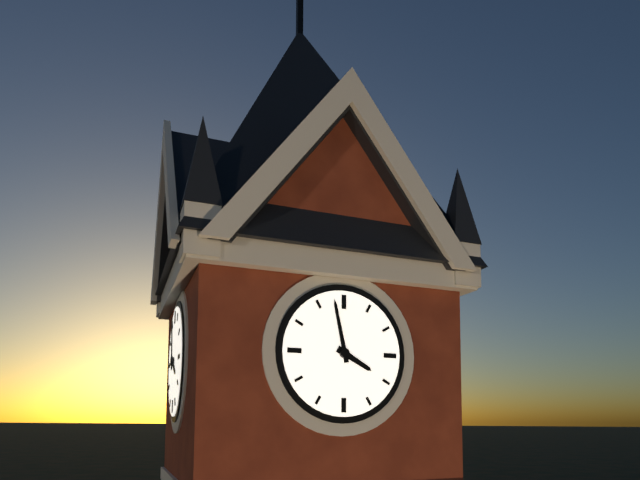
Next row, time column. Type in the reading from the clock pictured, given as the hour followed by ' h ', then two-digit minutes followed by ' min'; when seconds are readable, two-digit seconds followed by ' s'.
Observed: 3 h 58 min
